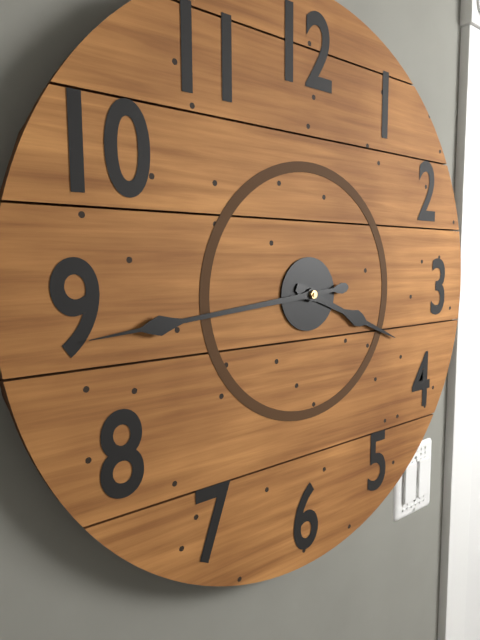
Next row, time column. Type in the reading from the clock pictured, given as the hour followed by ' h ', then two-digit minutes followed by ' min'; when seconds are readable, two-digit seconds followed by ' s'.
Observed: 3 h 44 min
